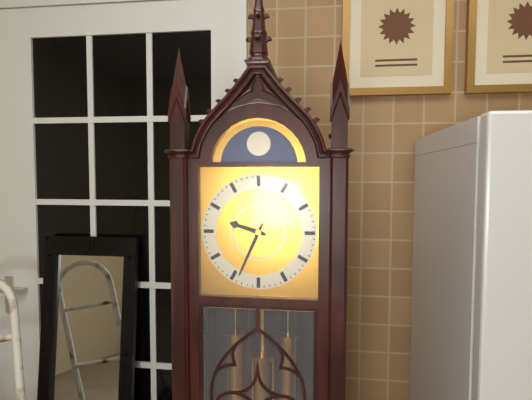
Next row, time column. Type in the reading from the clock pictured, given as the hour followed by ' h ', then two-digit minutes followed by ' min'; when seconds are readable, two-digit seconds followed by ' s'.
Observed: 9 h 34 min
